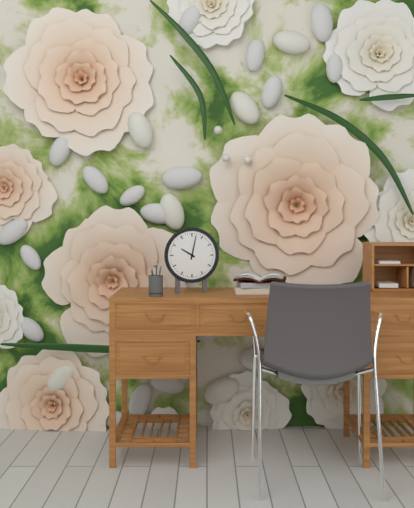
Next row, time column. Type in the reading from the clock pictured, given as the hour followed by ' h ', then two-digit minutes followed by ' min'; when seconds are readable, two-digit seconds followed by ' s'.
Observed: 10 h 02 min
